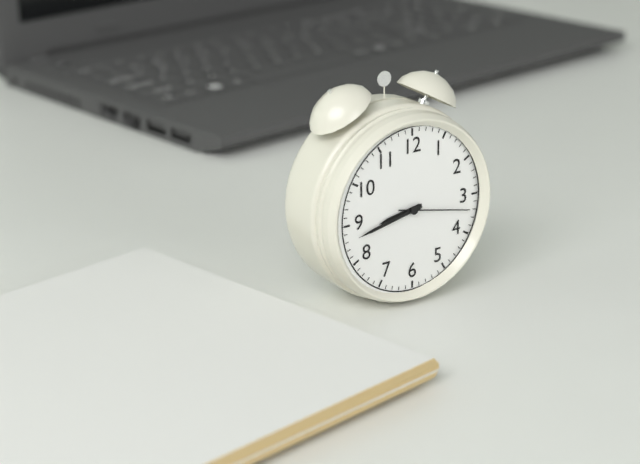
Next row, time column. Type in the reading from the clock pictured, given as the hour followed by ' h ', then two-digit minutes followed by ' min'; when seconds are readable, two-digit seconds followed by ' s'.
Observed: 8 h 43 min 17 s
